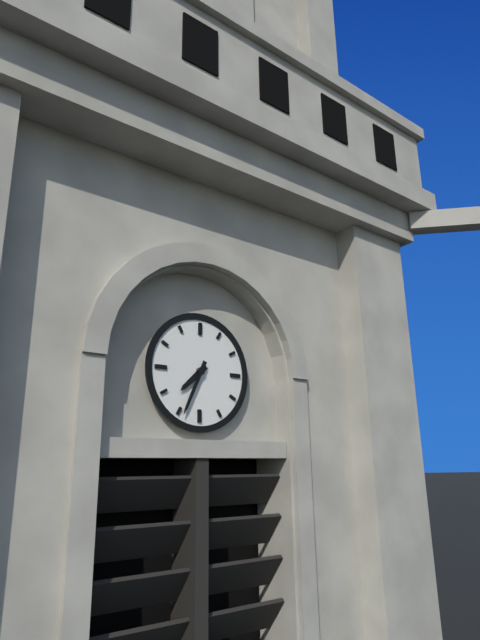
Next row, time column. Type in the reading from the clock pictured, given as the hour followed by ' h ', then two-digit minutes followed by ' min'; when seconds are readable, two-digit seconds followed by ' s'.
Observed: 7 h 34 min
